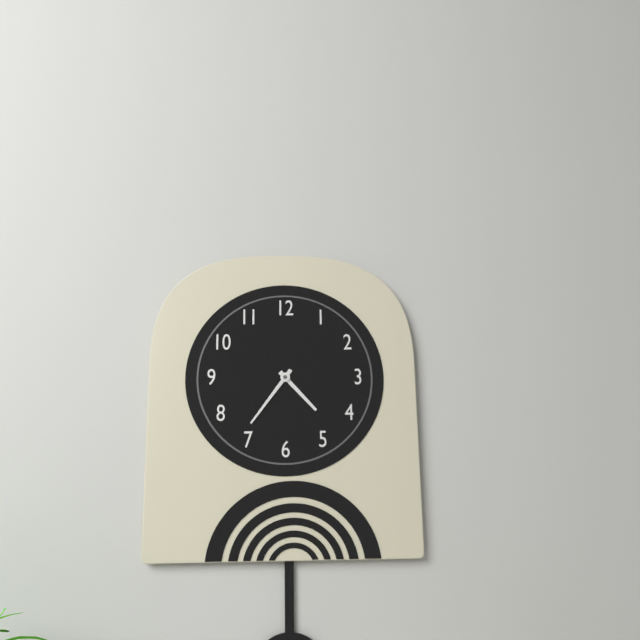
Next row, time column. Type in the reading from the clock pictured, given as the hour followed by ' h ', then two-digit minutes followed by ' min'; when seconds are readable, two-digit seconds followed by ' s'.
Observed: 4 h 36 min
